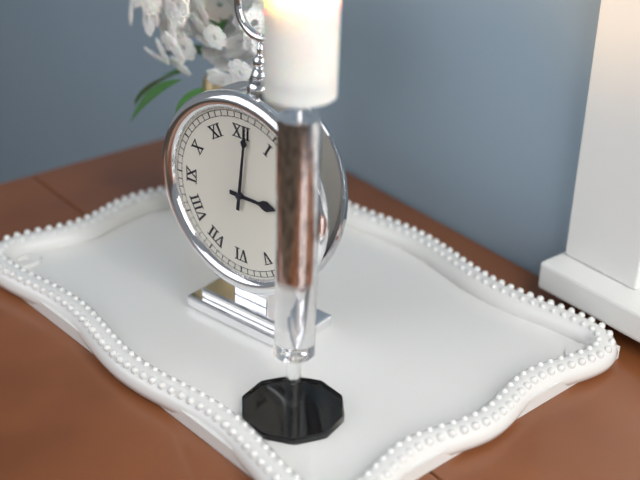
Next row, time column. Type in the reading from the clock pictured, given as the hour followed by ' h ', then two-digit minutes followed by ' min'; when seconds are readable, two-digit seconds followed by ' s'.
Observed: 3 h 01 min
